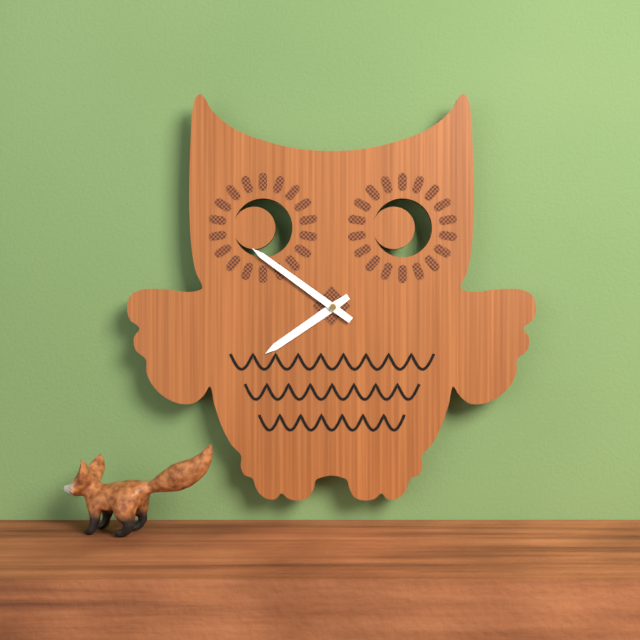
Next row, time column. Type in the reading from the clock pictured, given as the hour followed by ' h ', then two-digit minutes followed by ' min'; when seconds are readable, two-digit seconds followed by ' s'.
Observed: 7 h 51 min
